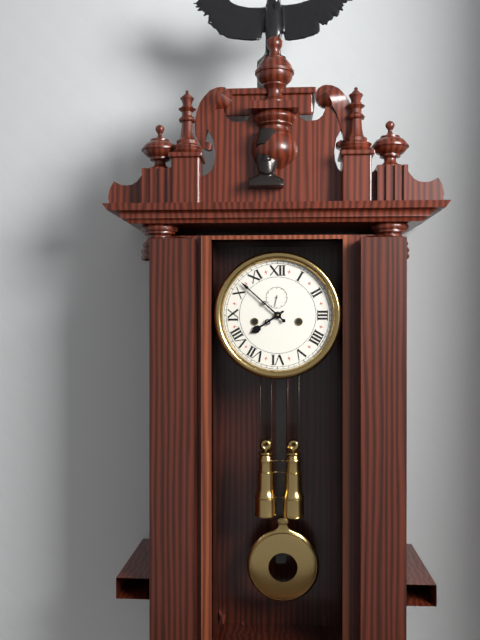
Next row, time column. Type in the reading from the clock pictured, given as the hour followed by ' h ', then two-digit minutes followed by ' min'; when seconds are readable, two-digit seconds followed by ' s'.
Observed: 7 h 52 min
